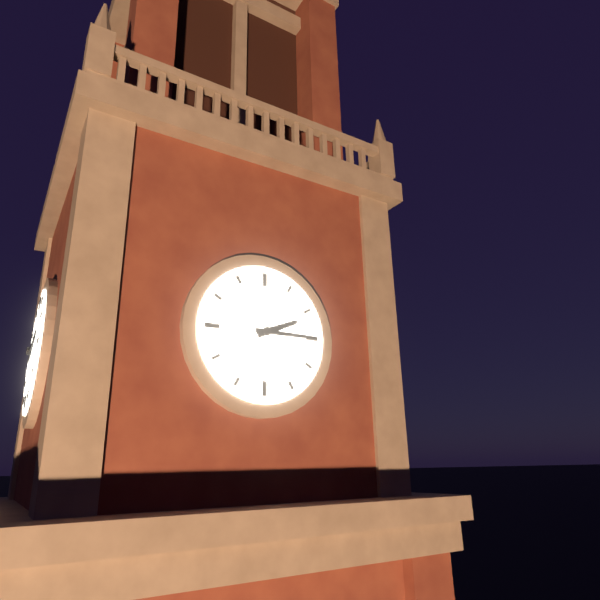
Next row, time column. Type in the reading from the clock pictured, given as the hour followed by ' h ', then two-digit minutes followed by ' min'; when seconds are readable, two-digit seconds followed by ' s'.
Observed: 2 h 15 min
